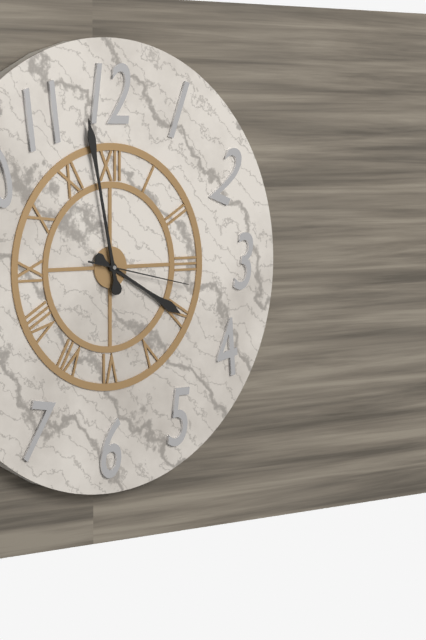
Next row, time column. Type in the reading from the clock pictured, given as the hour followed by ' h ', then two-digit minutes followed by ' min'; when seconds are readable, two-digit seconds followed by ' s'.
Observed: 3 h 58 min 17 s
